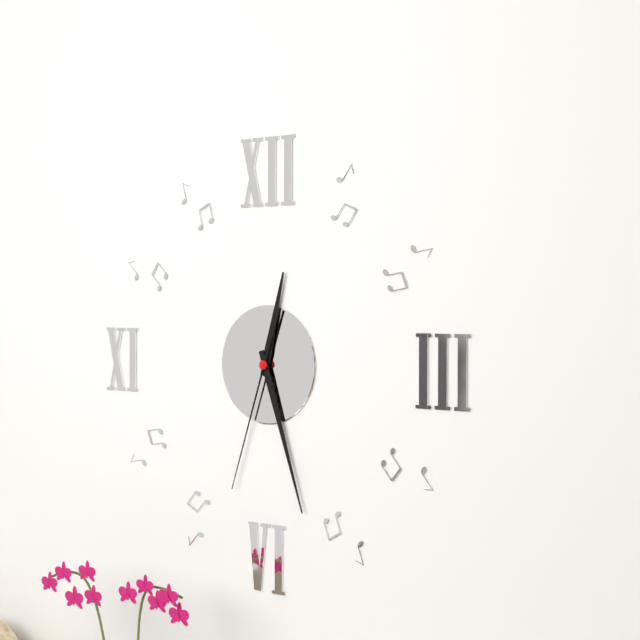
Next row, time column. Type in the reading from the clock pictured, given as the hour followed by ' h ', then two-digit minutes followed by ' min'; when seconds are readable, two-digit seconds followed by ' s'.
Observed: 12 h 27 min 33 s
